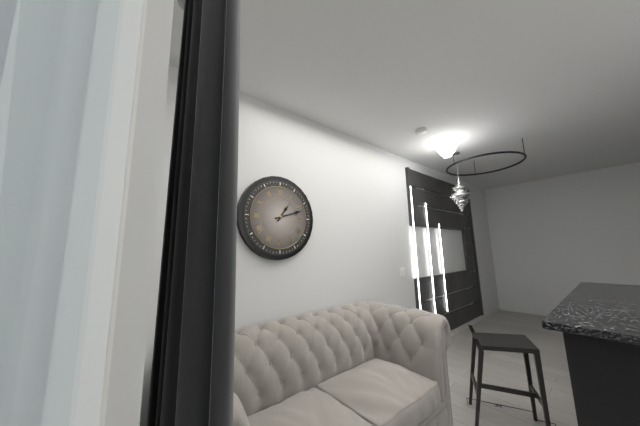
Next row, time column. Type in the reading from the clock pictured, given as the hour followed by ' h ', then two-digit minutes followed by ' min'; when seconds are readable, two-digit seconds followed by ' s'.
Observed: 1 h 12 min
